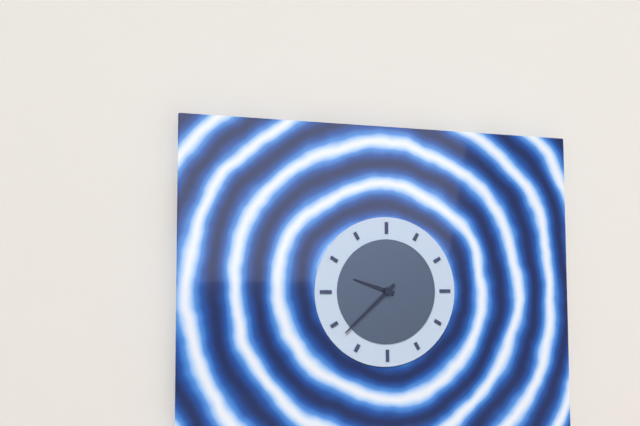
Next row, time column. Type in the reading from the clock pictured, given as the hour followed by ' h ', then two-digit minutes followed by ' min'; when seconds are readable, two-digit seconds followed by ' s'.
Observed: 9 h 38 min
